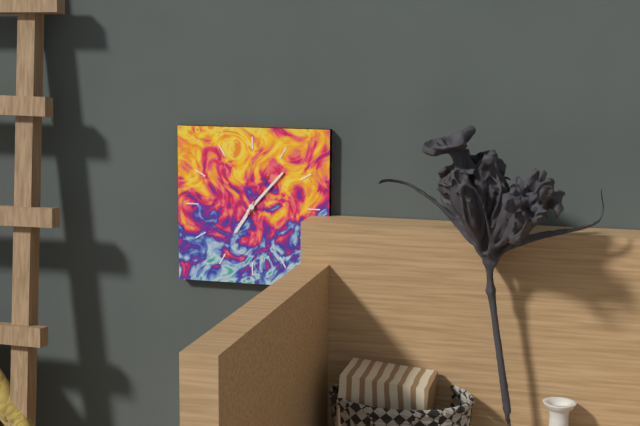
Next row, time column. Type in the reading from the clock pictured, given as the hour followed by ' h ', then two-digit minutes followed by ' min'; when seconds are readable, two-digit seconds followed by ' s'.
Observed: 7 h 07 min
